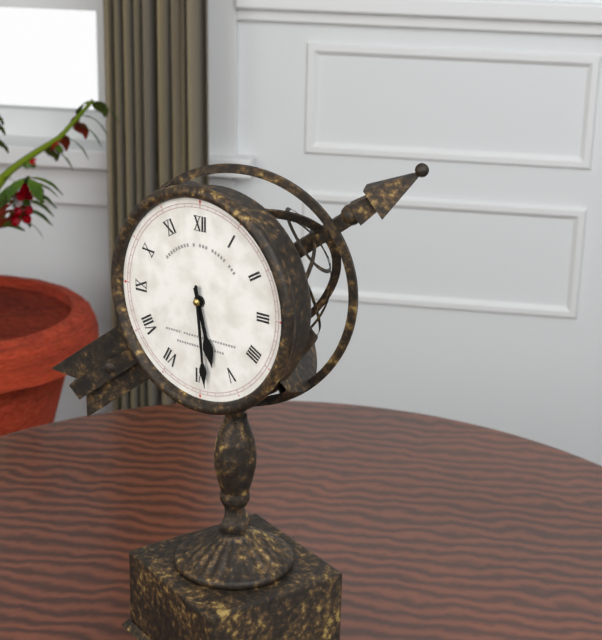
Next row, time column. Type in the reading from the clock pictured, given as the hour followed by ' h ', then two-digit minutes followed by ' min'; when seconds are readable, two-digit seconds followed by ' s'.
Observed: 5 h 29 min
